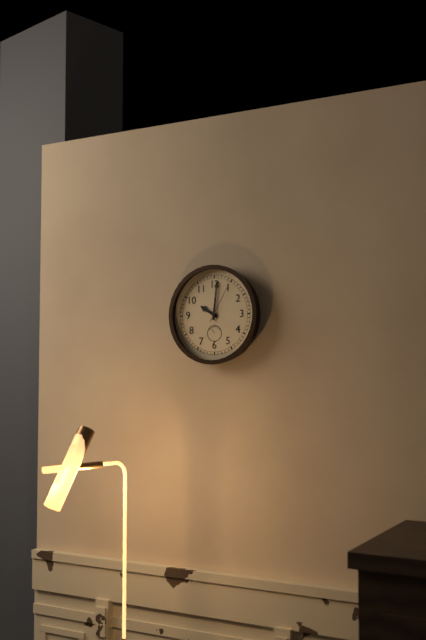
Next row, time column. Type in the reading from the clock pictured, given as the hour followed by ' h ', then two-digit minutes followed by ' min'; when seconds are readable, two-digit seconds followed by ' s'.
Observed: 10 h 01 min
